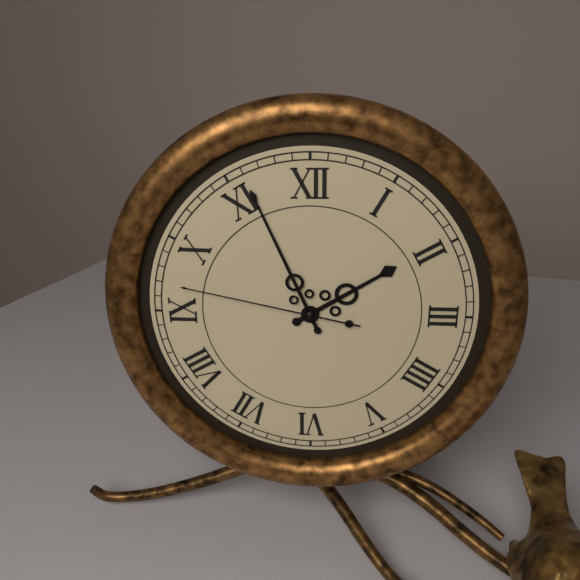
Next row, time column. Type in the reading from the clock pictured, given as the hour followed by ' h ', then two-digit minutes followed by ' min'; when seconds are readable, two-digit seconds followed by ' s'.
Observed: 1 h 56 min 47 s
